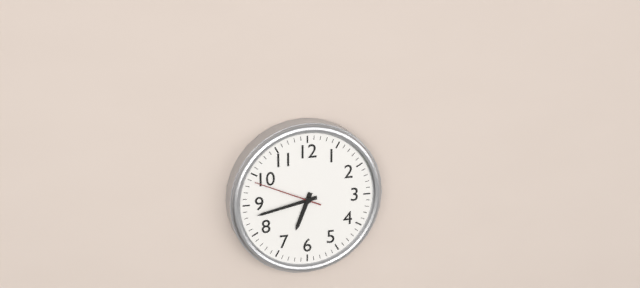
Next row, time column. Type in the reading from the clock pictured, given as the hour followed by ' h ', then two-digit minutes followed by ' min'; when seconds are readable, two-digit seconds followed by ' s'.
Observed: 6 h 43 min 49 s
